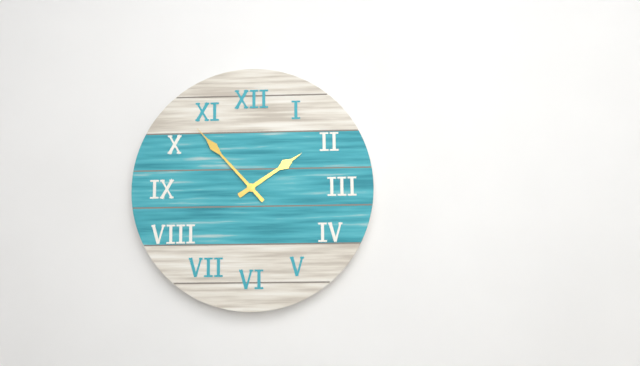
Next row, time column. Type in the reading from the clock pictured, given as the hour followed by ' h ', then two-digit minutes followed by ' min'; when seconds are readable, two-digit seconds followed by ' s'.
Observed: 1 h 53 min
